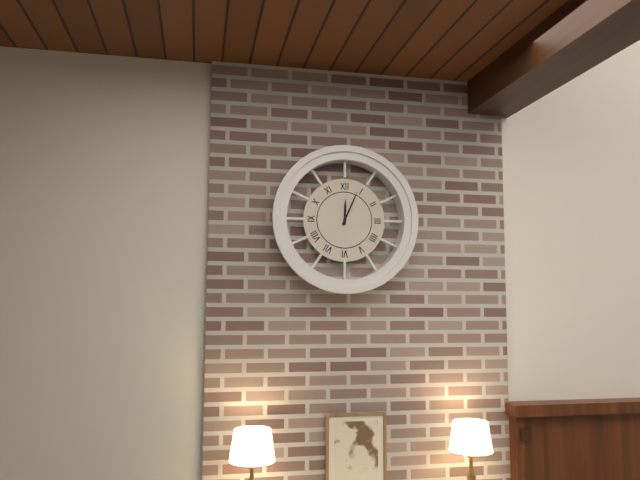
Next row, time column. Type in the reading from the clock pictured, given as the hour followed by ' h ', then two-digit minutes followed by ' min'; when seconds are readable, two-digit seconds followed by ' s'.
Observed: 12 h 04 min
